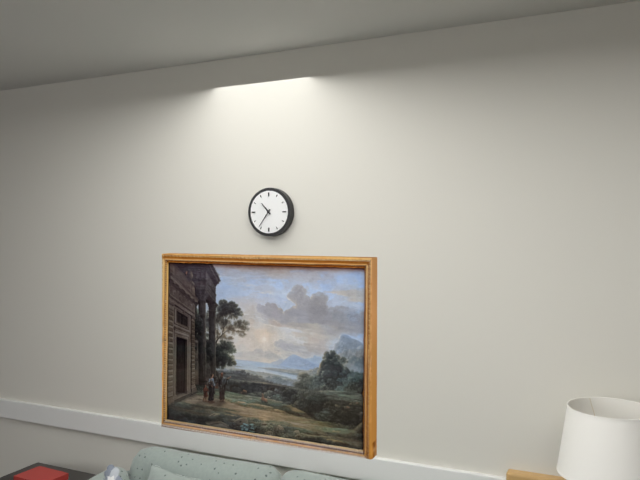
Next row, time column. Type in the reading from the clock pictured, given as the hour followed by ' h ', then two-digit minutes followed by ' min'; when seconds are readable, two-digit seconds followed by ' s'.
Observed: 10 h 36 min
